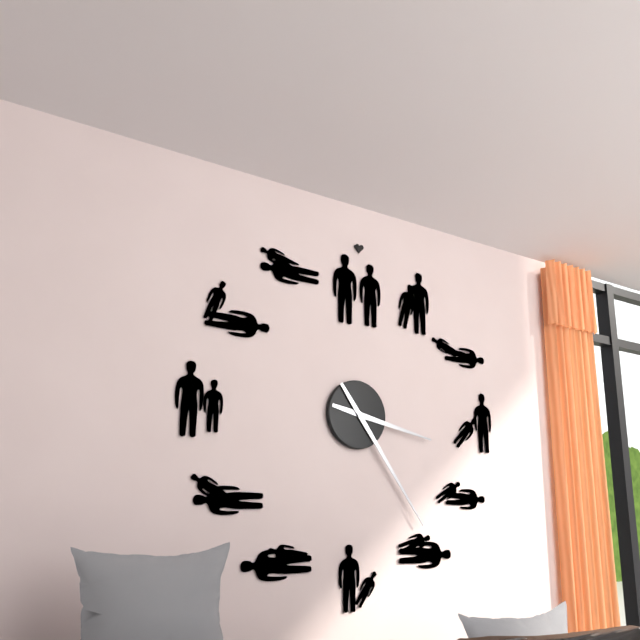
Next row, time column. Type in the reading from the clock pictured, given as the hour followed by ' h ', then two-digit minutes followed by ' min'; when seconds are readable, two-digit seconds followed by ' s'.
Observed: 3 h 24 min
